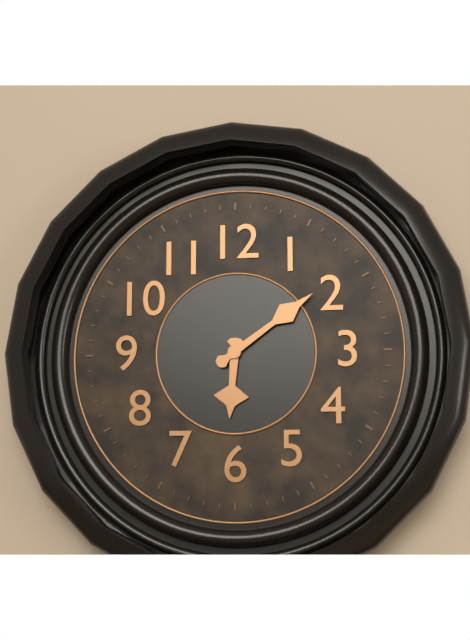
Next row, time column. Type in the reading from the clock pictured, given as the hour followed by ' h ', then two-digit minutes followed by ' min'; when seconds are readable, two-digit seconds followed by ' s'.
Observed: 6 h 09 min
